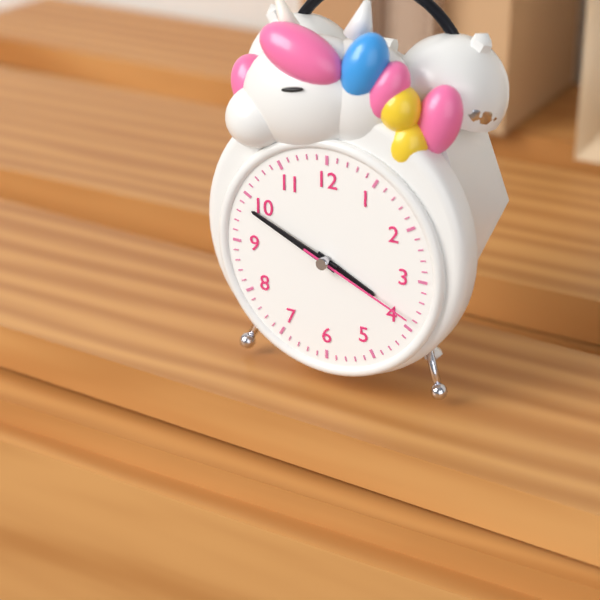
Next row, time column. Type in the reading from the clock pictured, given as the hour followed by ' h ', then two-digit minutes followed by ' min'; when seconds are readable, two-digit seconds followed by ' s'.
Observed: 3 h 49 min 19 s
